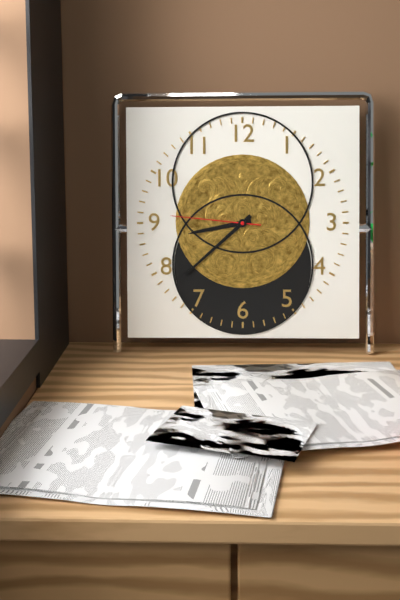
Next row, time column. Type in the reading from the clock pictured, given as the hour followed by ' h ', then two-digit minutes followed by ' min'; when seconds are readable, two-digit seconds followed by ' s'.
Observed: 8 h 38 min 46 s
